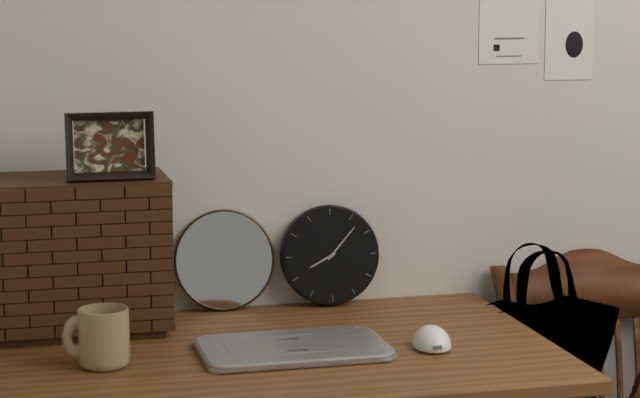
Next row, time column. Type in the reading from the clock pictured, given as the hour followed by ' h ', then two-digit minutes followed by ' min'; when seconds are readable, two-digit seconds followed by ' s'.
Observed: 8 h 07 min
